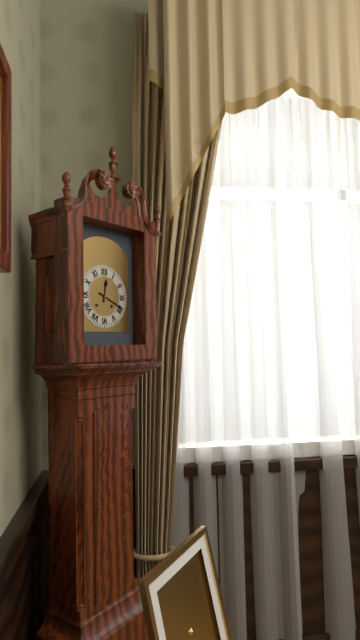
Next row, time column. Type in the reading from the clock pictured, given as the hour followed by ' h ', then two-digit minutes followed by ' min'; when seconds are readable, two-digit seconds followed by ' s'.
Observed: 12 h 19 min
